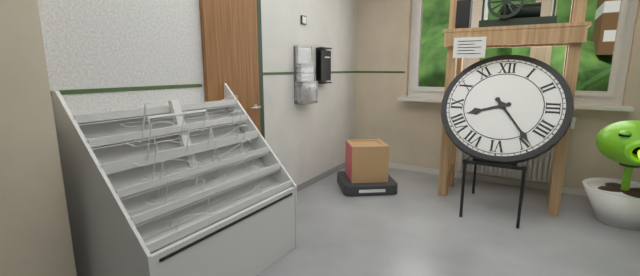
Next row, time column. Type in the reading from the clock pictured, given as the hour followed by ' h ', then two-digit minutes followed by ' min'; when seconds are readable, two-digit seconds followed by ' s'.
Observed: 8 h 24 min
